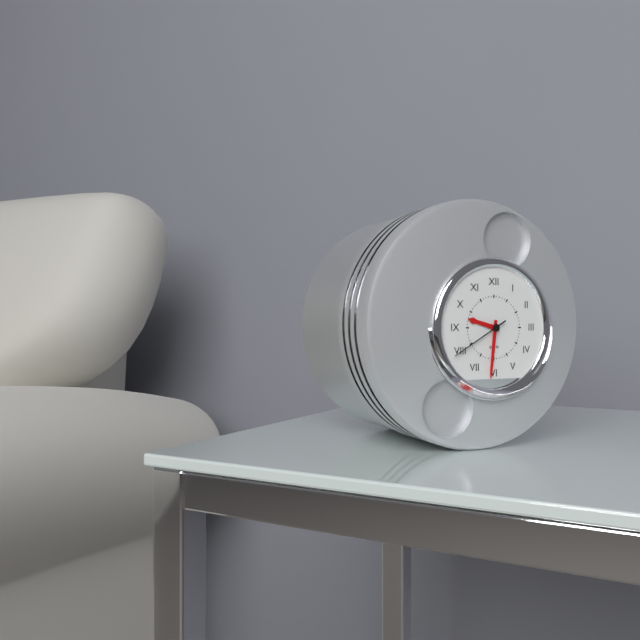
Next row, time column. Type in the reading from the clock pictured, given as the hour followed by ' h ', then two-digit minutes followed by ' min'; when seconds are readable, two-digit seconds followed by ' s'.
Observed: 9 h 31 min 40 s
